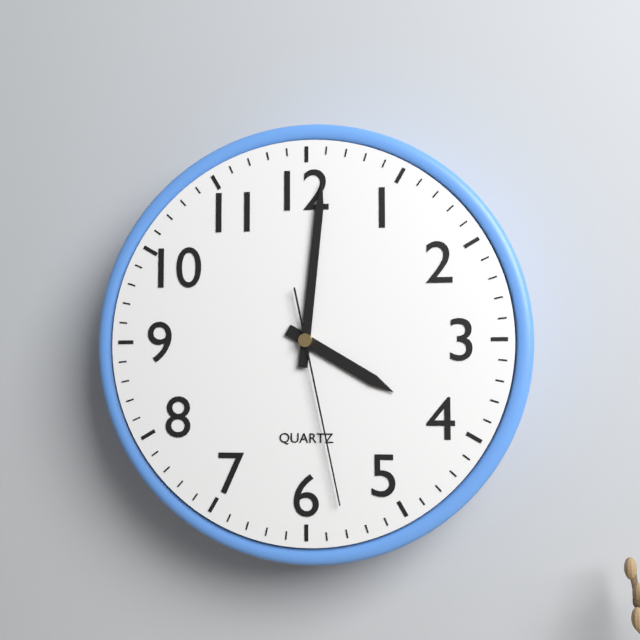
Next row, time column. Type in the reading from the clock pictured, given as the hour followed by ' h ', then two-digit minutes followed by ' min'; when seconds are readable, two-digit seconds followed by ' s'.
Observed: 4 h 01 min 28 s
